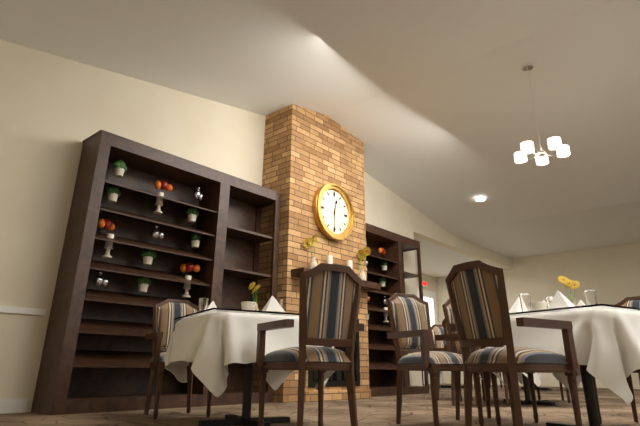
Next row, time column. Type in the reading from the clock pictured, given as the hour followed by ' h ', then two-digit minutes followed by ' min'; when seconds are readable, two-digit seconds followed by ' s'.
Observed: 12 h 30 min
